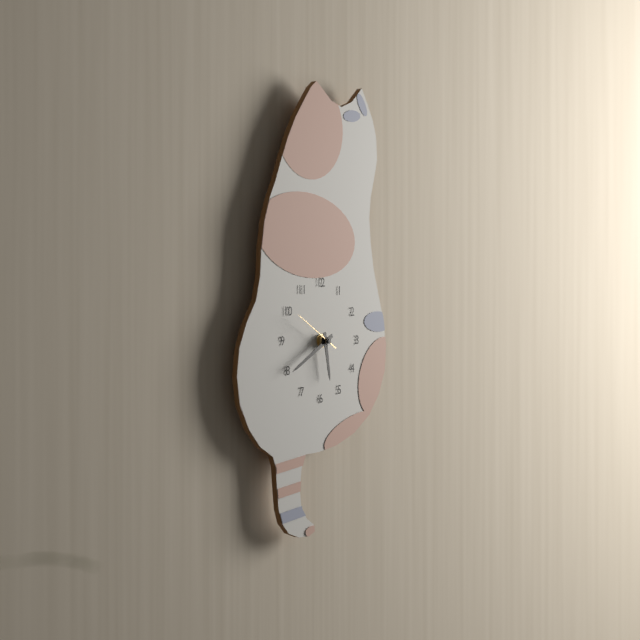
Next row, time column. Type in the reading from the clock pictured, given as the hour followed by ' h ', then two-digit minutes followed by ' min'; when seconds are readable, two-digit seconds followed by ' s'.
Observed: 5 h 40 min 50 s
